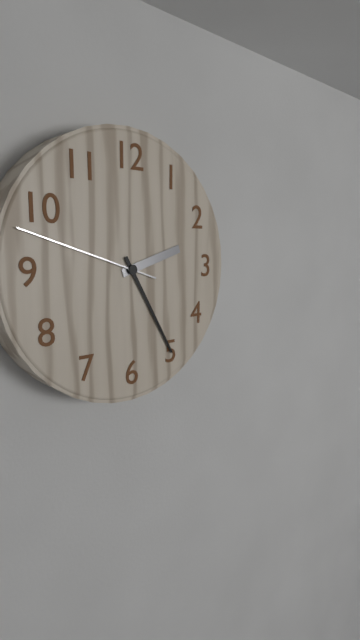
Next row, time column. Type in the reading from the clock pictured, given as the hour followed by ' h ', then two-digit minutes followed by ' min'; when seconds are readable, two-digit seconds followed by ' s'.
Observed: 2 h 25 min 48 s
